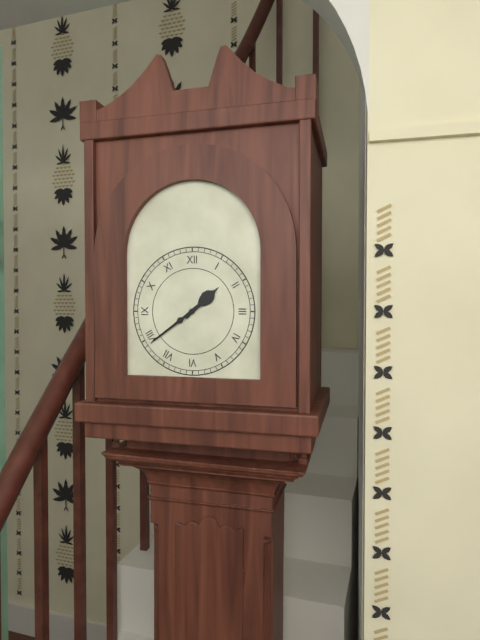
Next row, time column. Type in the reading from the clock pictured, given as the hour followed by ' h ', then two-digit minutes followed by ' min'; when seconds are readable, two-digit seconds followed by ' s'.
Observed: 1 h 39 min
